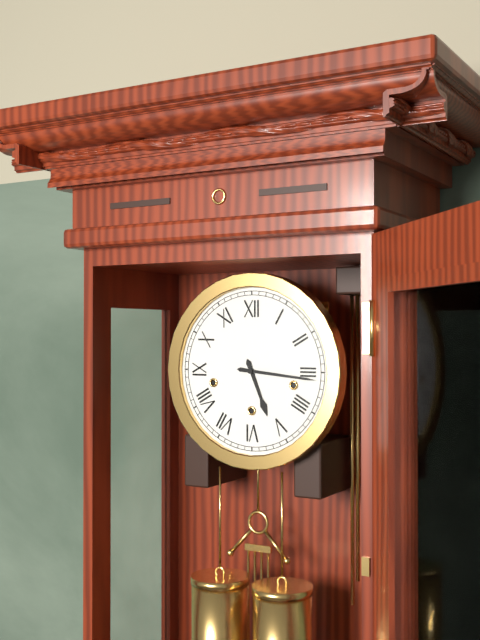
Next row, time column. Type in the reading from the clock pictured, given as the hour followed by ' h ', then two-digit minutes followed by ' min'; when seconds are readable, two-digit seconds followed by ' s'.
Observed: 5 h 16 min
